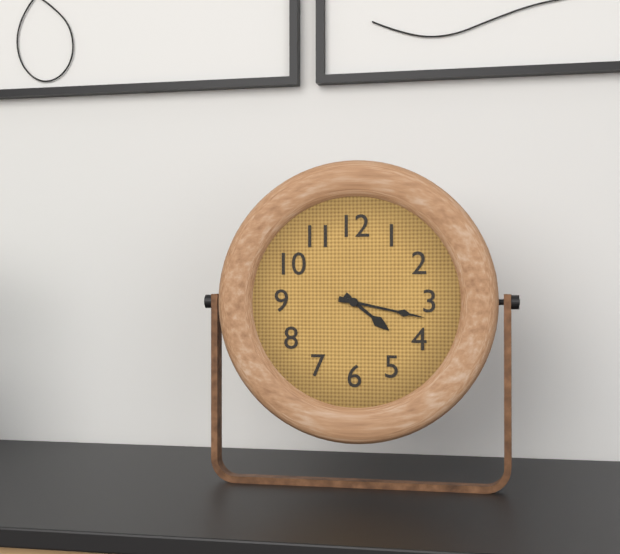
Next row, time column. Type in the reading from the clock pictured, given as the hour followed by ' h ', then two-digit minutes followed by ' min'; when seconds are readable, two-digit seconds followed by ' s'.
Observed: 4 h 17 min
